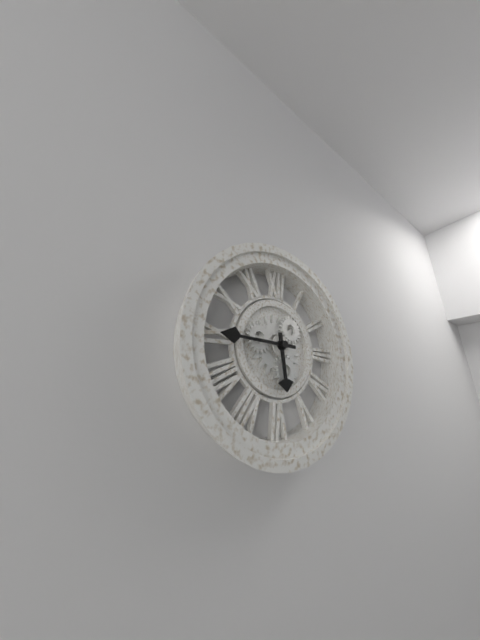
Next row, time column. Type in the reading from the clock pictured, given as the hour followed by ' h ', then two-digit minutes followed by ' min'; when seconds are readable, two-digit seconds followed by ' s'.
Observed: 5 h 45 min
